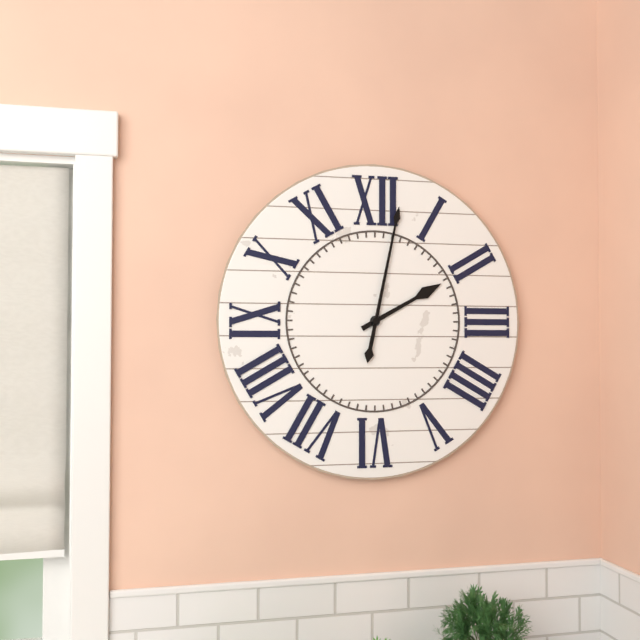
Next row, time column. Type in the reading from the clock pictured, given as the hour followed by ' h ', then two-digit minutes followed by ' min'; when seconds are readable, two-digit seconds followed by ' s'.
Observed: 2 h 02 min
